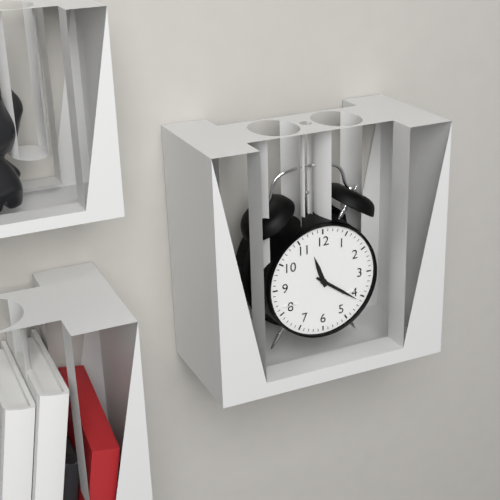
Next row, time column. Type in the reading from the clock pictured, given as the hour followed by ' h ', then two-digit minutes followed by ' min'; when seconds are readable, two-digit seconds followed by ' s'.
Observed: 11 h 21 min
